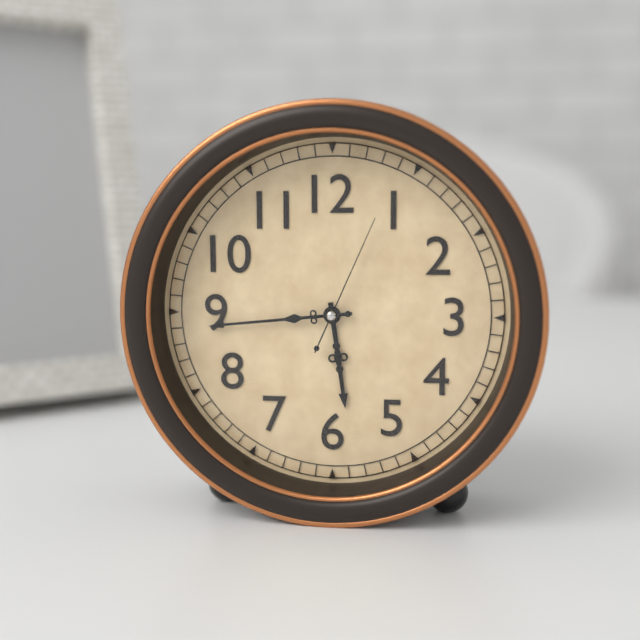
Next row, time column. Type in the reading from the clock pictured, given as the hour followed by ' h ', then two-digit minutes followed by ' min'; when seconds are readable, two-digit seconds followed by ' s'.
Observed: 5 h 44 min 04 s
